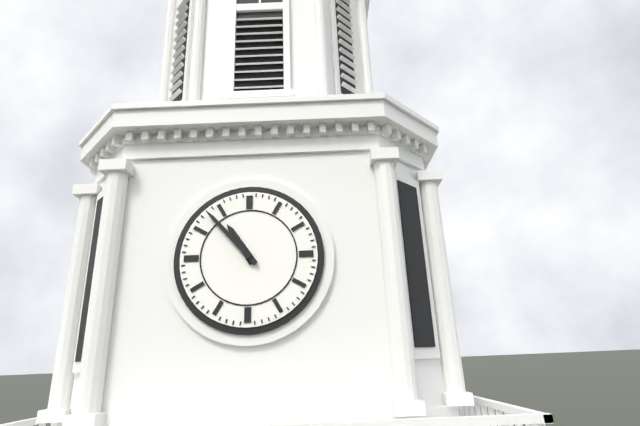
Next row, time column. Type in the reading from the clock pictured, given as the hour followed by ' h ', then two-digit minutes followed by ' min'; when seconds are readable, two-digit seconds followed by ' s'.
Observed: 10 h 53 min
